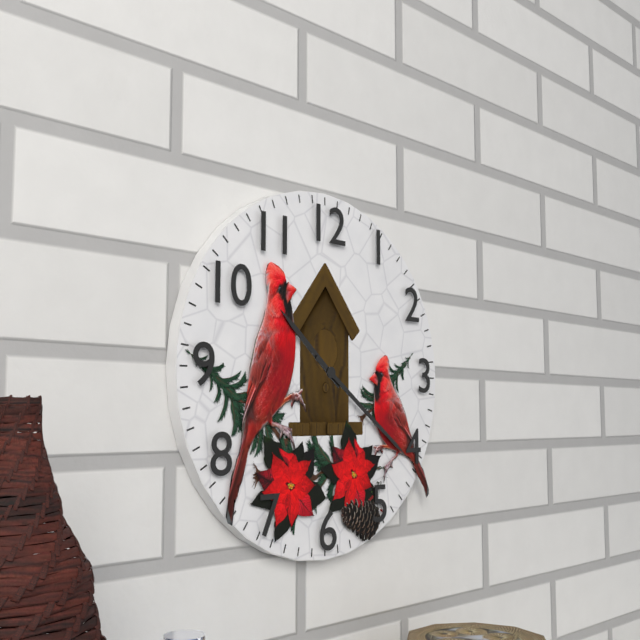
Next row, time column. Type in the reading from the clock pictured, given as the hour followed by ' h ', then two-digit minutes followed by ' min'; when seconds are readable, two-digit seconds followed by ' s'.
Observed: 10 h 21 min
